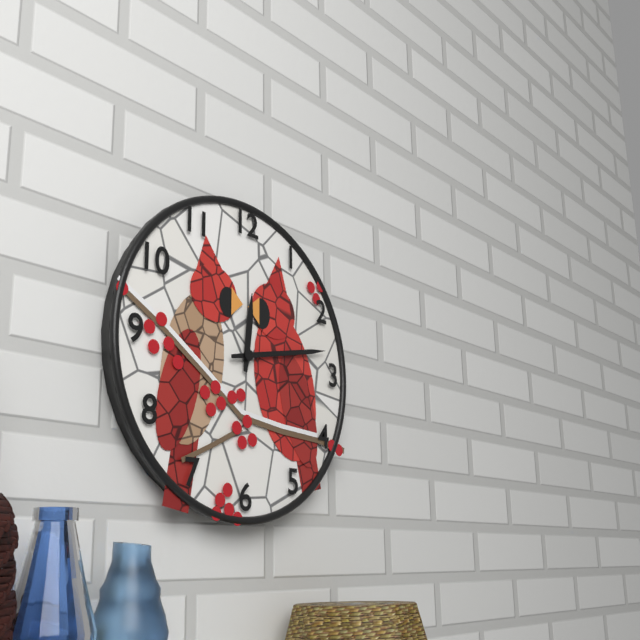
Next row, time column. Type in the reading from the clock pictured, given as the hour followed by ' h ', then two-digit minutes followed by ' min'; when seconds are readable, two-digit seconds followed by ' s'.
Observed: 12 h 13 min
